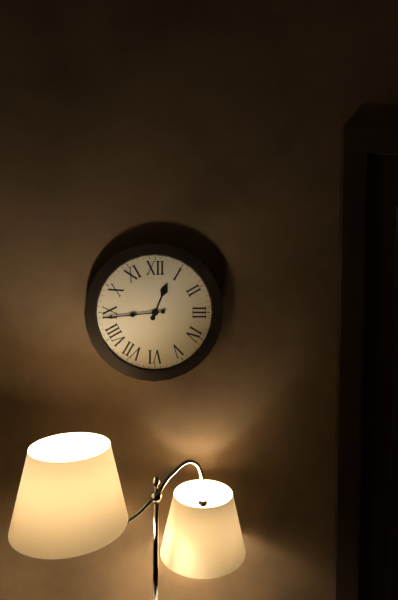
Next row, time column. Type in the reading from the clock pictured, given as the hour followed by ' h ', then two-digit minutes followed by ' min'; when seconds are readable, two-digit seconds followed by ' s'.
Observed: 12 h 44 min
